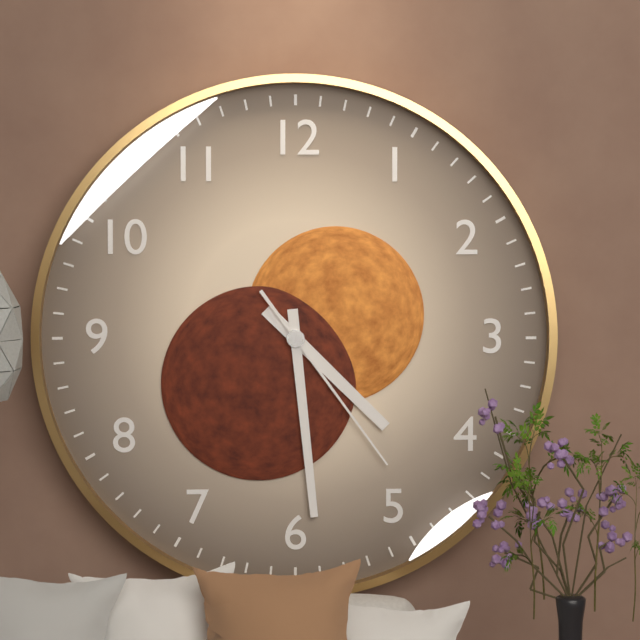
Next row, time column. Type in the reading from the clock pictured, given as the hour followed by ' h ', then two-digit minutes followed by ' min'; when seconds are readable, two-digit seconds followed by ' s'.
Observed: 4 h 29 min 24 s
